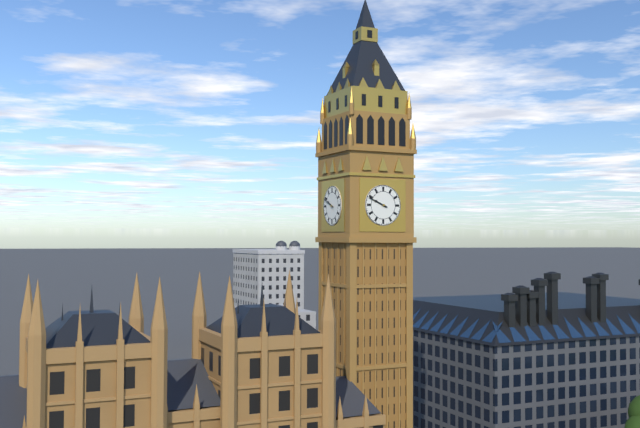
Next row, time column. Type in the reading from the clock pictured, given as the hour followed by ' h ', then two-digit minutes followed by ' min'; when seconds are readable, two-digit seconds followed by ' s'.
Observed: 9 h 49 min
